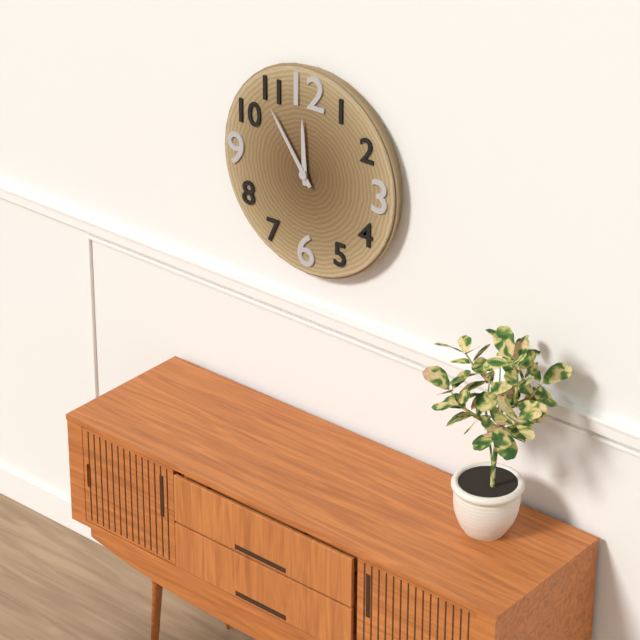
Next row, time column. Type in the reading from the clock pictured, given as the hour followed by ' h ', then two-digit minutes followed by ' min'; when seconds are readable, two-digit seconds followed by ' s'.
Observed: 11 h 54 min
